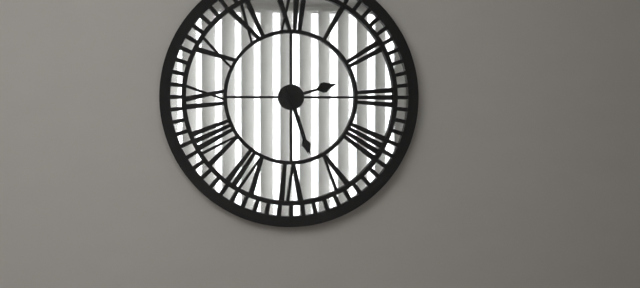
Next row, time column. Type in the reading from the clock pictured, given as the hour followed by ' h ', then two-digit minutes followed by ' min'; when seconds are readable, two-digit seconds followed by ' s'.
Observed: 2 h 27 min
